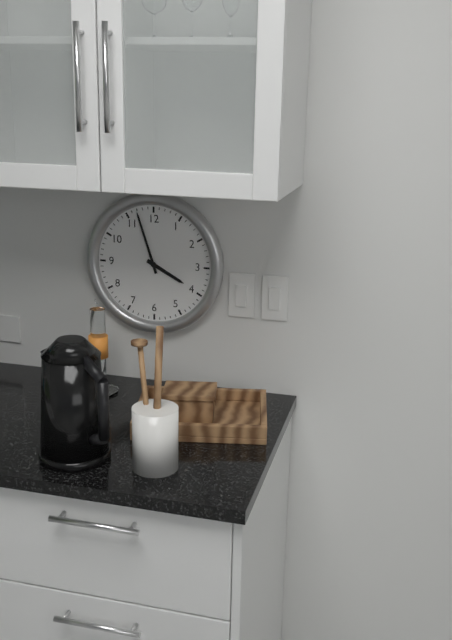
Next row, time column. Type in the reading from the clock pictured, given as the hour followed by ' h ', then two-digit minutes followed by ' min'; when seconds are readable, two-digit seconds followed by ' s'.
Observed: 3 h 57 min
